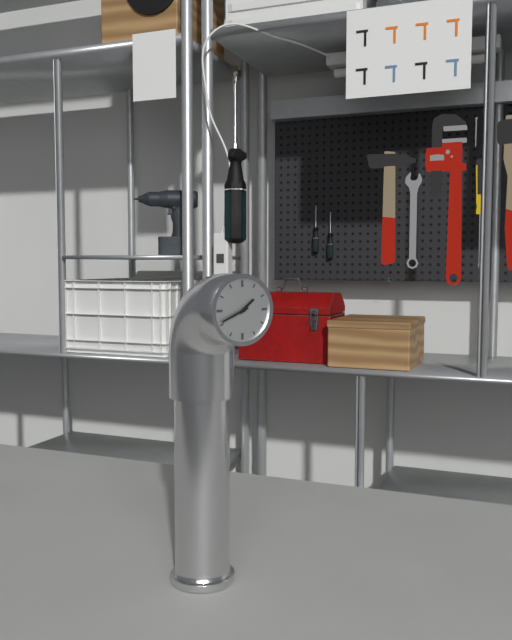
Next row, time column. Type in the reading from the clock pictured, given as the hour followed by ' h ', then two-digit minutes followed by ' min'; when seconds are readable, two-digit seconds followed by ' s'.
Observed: 1 h 41 min
